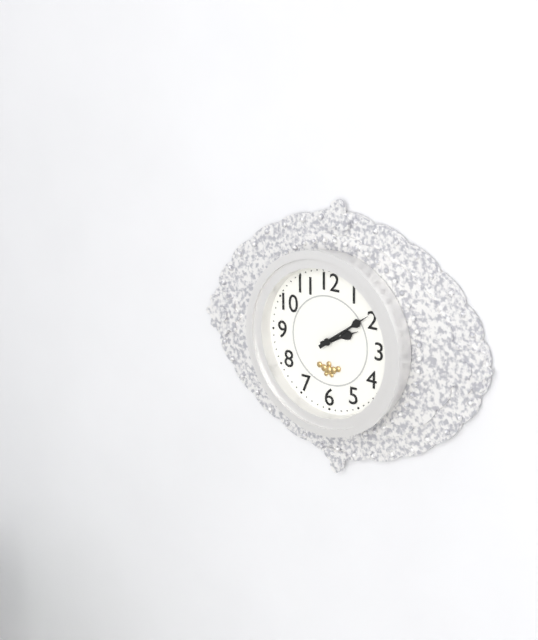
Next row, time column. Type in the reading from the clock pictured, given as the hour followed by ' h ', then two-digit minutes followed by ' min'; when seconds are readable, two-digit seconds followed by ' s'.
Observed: 2 h 09 min
